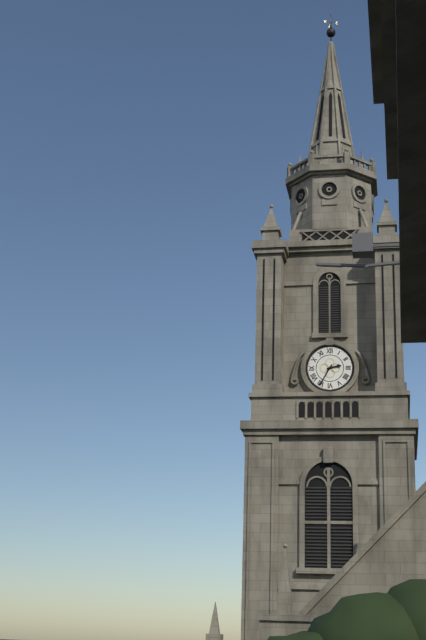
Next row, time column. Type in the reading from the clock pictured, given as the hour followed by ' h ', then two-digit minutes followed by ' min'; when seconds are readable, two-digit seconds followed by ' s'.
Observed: 2 h 35 min
